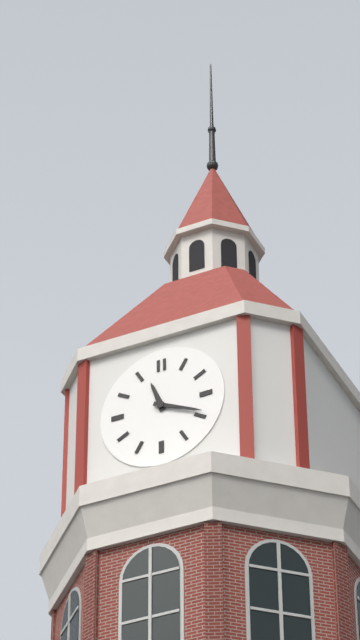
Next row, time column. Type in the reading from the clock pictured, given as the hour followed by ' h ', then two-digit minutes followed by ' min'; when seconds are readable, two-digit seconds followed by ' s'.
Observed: 11 h 19 min
